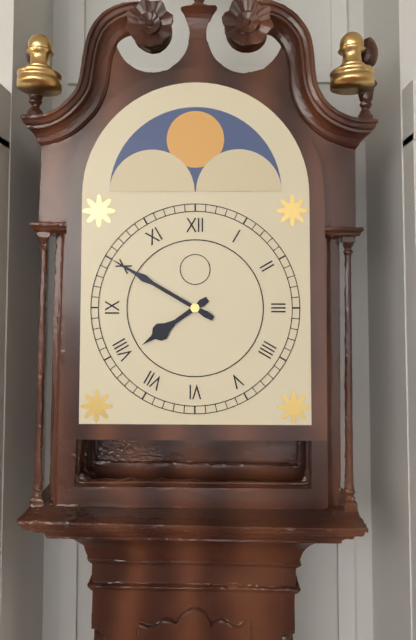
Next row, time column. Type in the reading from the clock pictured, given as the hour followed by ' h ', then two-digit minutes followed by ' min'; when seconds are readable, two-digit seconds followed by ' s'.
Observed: 7 h 50 min
